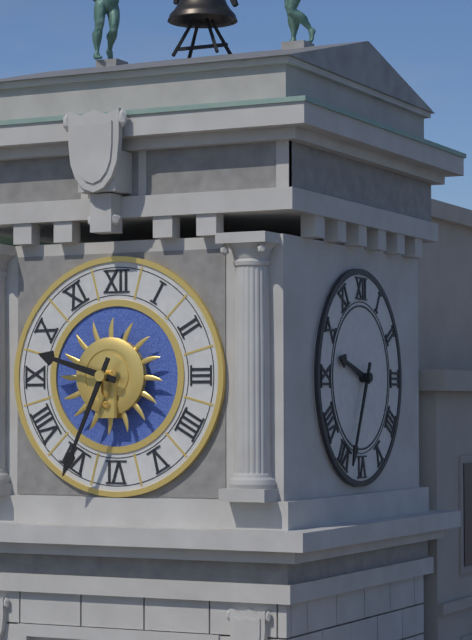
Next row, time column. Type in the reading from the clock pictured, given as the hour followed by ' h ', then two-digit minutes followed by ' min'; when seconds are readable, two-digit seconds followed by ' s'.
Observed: 9 h 34 min
